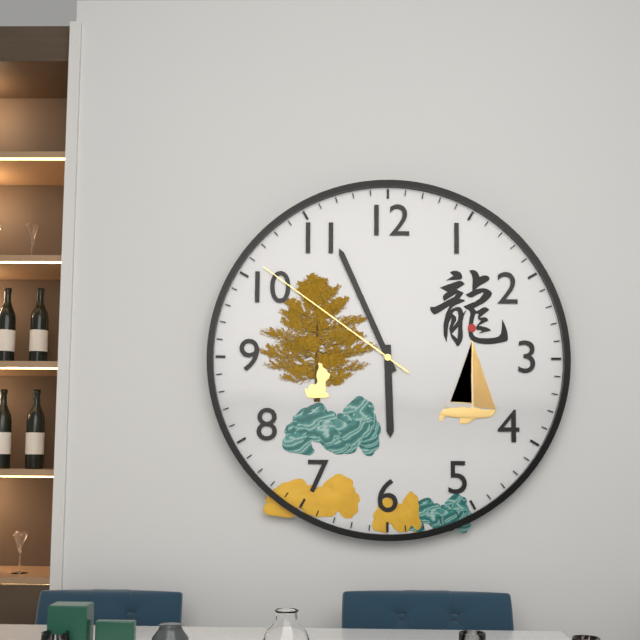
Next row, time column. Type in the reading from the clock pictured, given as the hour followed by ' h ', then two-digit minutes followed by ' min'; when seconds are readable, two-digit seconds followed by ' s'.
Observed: 5 h 56 min 51 s
